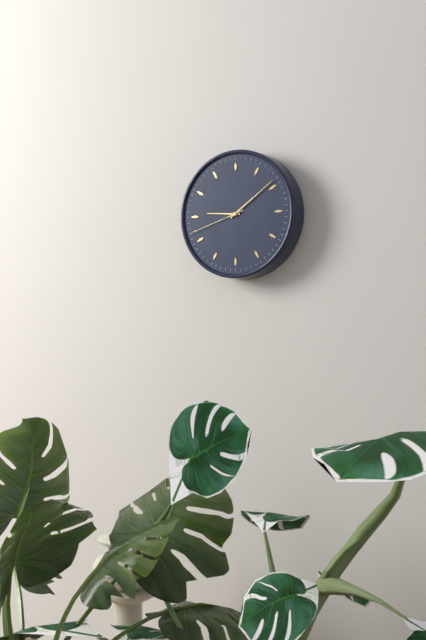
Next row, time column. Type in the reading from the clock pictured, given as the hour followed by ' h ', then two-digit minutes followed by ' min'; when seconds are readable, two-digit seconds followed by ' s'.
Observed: 9 h 09 min 42 s
